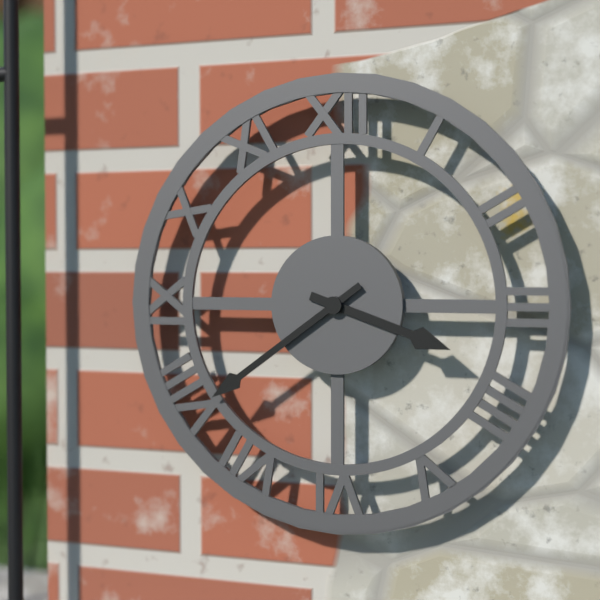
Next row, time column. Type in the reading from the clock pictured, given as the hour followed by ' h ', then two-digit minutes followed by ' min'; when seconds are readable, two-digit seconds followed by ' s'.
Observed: 3 h 39 min
